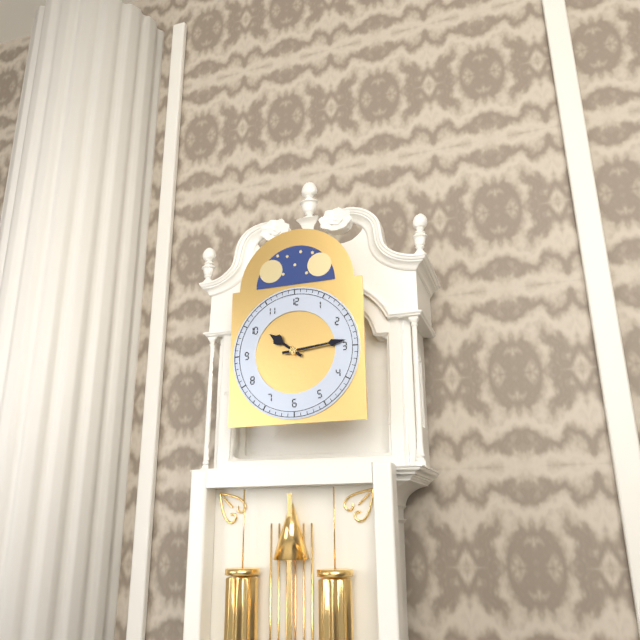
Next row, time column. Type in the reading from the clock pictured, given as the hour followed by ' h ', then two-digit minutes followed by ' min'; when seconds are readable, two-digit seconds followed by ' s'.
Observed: 10 h 14 min
